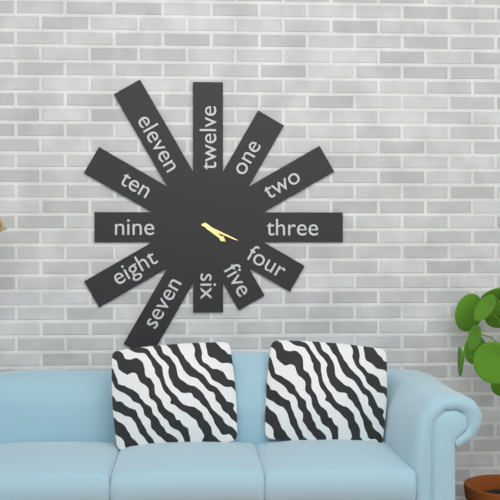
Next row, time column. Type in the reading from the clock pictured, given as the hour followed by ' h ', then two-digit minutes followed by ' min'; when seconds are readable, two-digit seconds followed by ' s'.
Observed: 4 h 19 min
